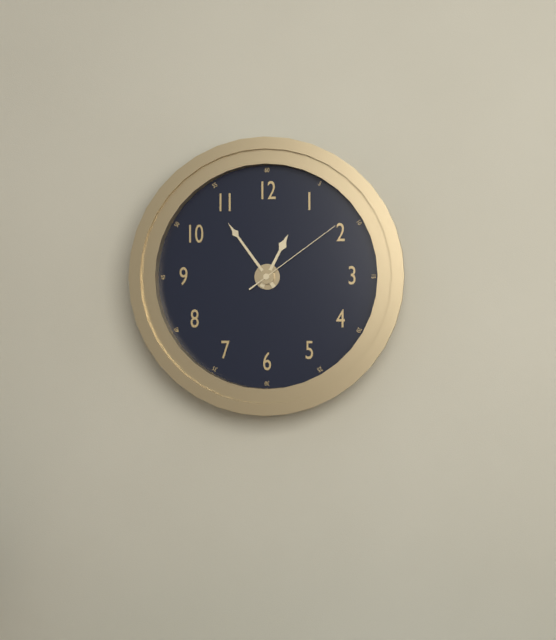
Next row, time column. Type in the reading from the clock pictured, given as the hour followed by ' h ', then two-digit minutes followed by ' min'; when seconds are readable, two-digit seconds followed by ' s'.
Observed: 12 h 54 min 09 s
